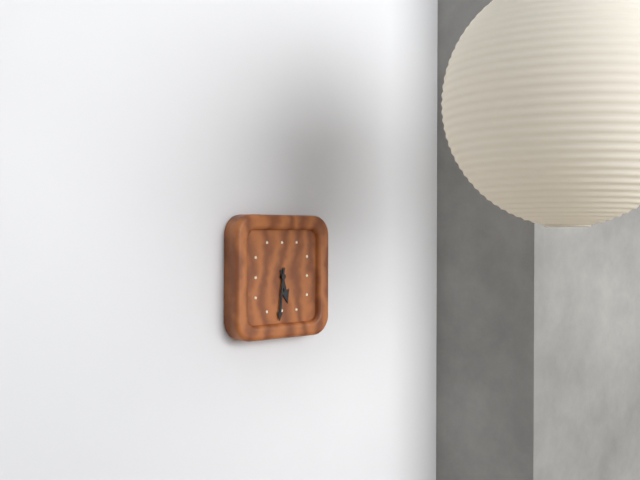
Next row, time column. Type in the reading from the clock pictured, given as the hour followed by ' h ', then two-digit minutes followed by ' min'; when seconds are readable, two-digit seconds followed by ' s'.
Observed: 5 h 31 min
